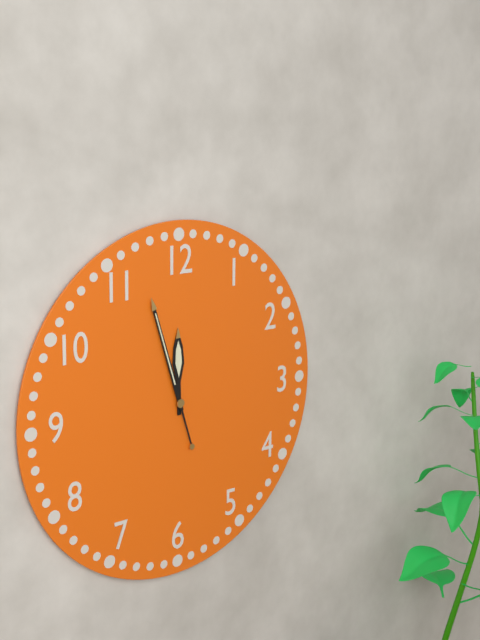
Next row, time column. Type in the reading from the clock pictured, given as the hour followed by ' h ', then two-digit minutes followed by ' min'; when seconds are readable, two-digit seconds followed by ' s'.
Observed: 11 h 57 min
